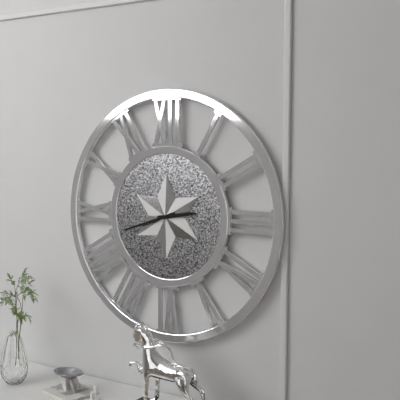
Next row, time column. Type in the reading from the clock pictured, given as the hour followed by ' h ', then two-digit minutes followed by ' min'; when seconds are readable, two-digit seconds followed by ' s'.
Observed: 2 h 42 min
